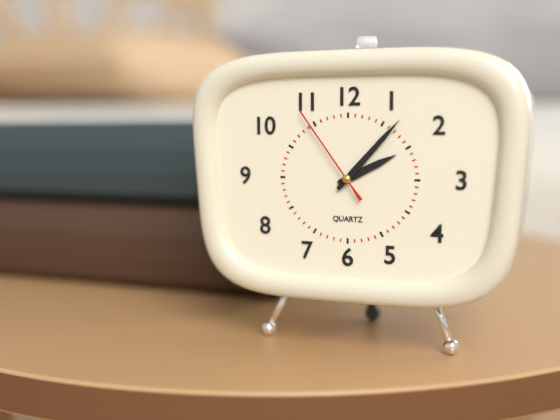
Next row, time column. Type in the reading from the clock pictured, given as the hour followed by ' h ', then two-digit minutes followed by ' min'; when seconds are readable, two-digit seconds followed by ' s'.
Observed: 2 h 07 min 54 s
